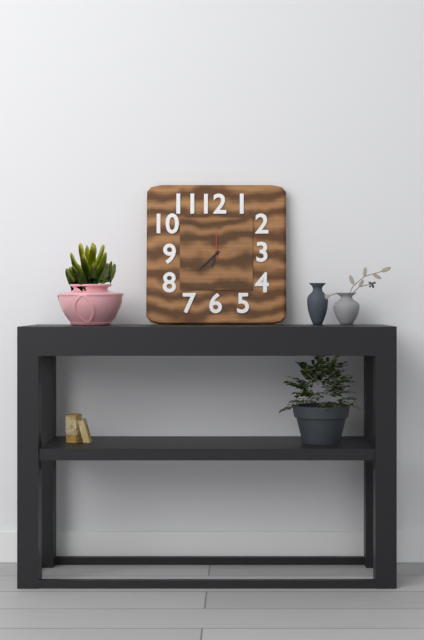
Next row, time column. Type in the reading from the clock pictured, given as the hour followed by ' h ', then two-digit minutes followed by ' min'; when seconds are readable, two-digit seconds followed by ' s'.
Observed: 6 h 38 min
